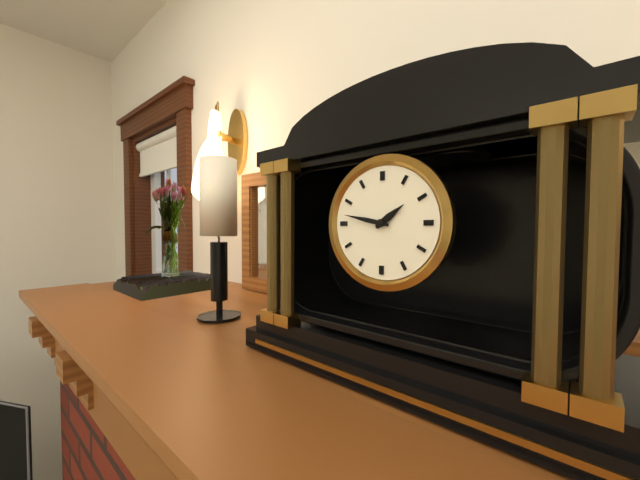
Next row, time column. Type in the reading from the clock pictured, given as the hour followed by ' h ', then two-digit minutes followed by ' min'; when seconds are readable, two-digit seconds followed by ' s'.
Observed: 1 h 47 min
